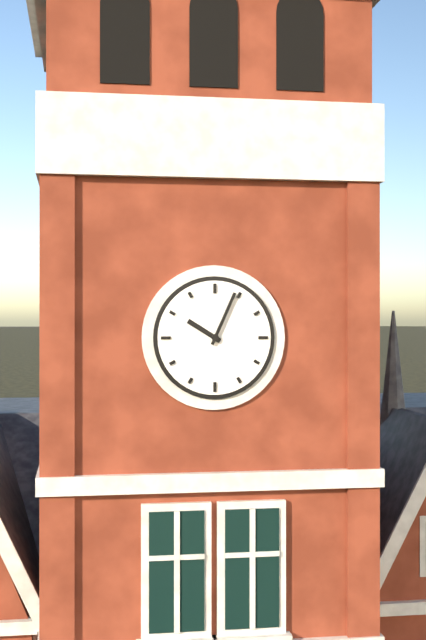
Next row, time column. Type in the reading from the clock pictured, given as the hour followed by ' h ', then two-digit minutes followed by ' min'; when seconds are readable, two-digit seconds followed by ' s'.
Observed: 10 h 04 min
